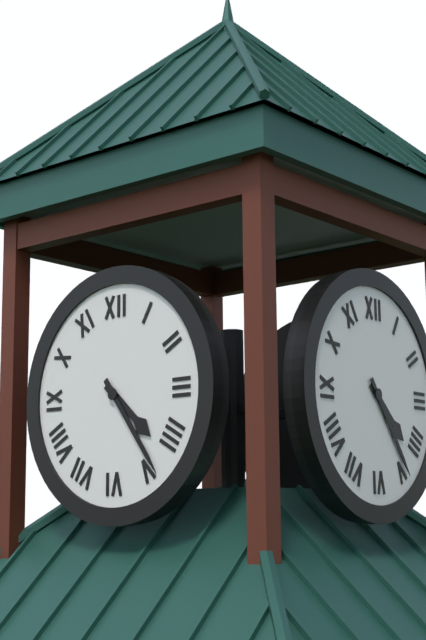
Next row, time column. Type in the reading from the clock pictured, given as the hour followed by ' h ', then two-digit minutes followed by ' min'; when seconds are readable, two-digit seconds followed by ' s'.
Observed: 4 h 24 min
